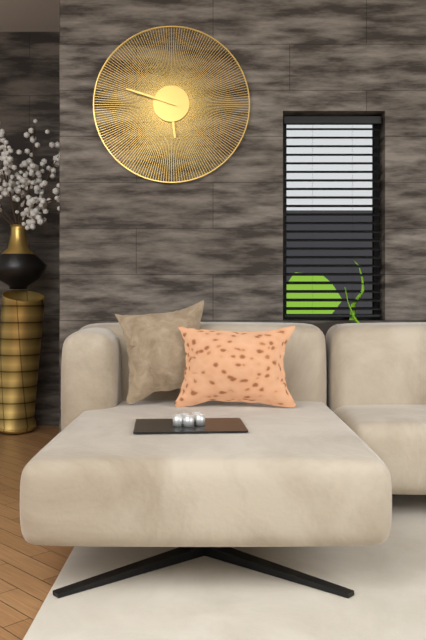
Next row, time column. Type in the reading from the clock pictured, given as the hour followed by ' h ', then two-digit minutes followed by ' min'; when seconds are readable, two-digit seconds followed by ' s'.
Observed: 5 h 48 min
